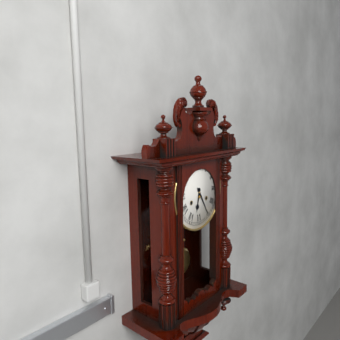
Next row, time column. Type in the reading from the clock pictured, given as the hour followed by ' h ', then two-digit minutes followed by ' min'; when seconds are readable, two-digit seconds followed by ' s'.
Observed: 6 h 25 min
